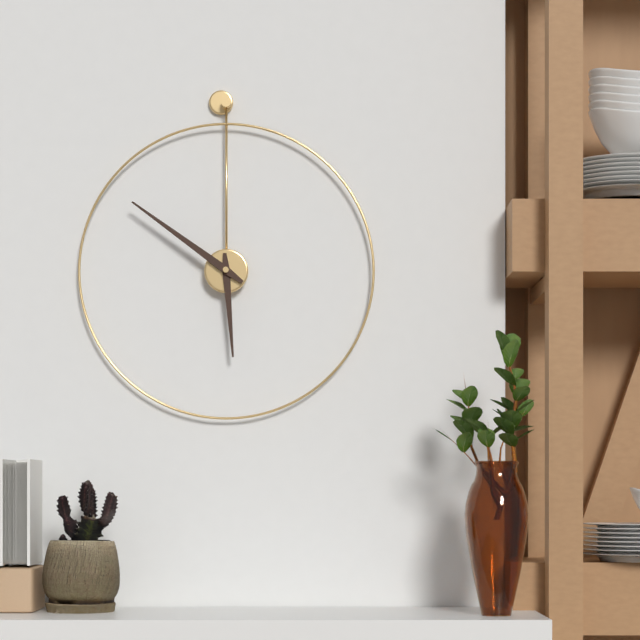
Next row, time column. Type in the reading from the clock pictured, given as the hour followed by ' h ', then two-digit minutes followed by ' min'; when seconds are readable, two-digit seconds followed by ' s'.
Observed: 5 h 51 min
